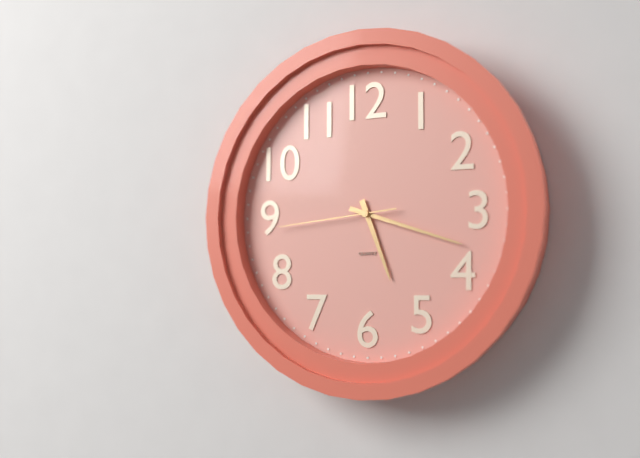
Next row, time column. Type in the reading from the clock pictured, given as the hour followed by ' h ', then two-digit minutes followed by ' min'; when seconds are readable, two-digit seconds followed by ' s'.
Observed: 5 h 18 min 44 s
